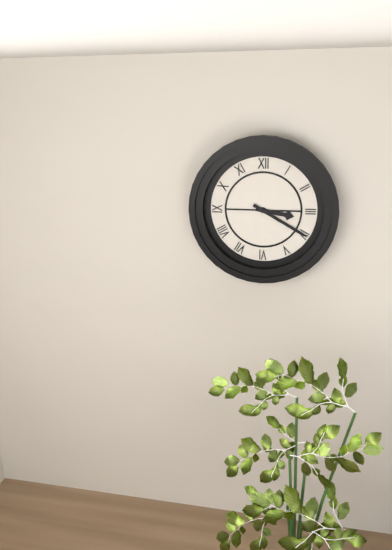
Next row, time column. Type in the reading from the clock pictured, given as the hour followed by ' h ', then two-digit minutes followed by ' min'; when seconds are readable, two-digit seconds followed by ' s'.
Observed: 3 h 20 min
